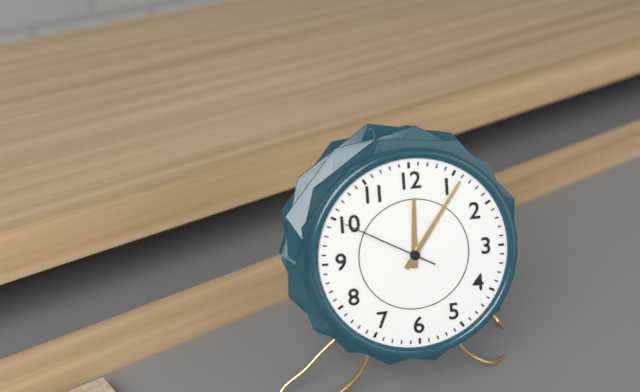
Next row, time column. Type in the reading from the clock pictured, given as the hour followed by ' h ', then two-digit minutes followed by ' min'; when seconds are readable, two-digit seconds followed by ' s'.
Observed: 12 h 06 min 50 s
